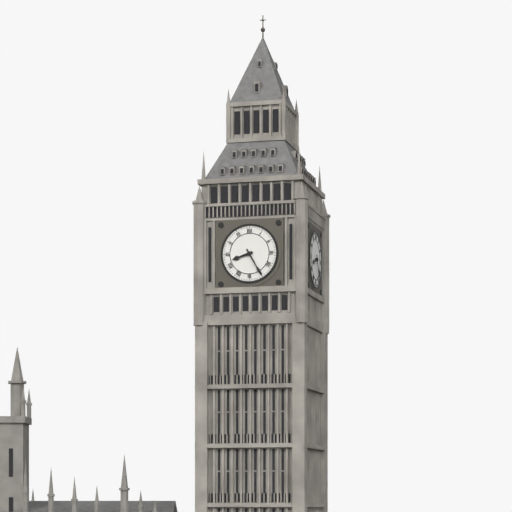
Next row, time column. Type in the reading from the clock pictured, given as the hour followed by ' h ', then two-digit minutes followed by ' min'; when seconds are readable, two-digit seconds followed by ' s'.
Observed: 8 h 25 min
